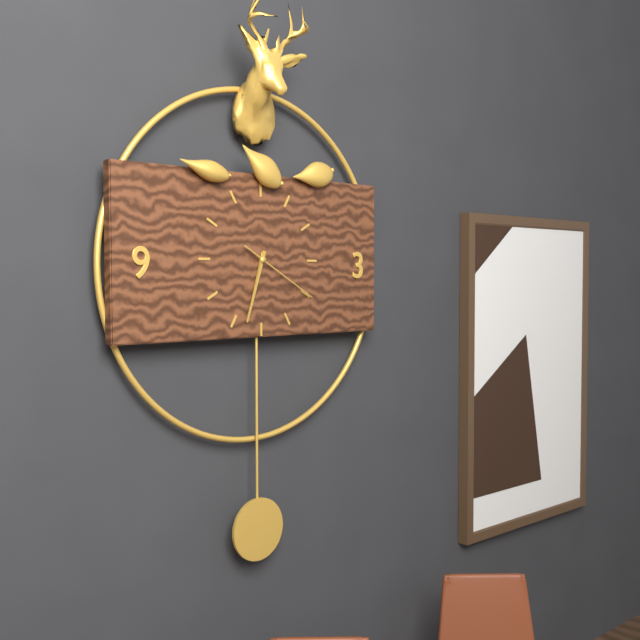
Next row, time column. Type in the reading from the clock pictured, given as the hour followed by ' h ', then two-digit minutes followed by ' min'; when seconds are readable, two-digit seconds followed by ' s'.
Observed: 6 h 33 min 20 s
